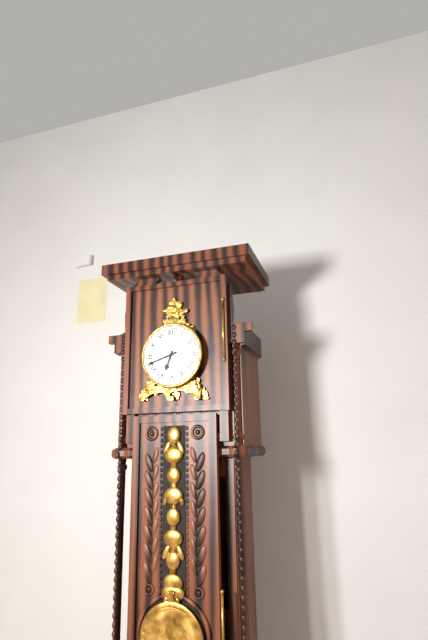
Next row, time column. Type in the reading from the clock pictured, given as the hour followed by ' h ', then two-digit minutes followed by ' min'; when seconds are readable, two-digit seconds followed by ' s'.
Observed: 6 h 42 min
